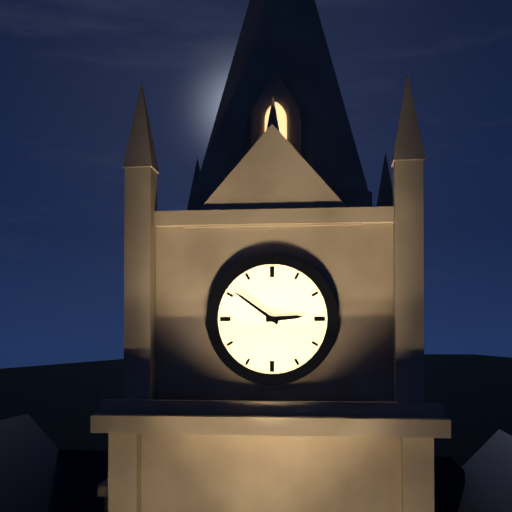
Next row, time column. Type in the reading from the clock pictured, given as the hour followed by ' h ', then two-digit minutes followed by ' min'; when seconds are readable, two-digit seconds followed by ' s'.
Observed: 2 h 51 min
